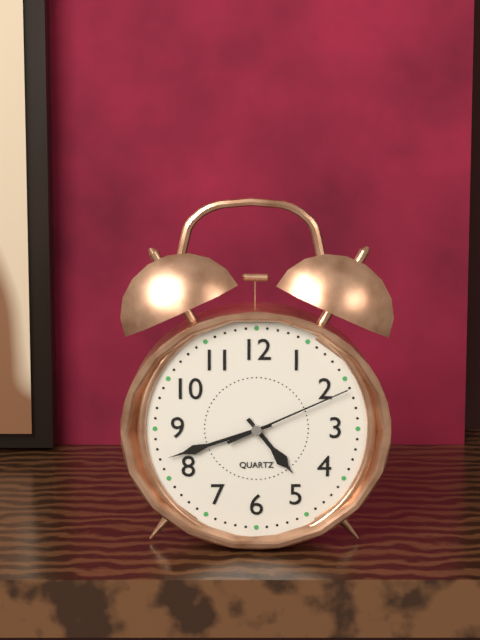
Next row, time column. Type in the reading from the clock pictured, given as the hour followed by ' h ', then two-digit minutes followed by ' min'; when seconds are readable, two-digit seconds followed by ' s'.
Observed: 4 h 42 min 11 s
